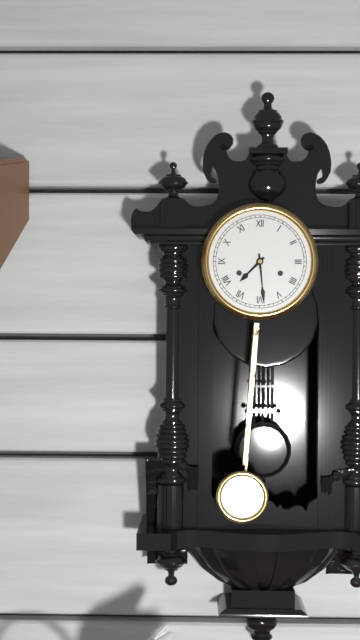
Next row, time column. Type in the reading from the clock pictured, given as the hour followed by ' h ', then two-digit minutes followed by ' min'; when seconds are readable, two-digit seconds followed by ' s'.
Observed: 7 h 29 min
